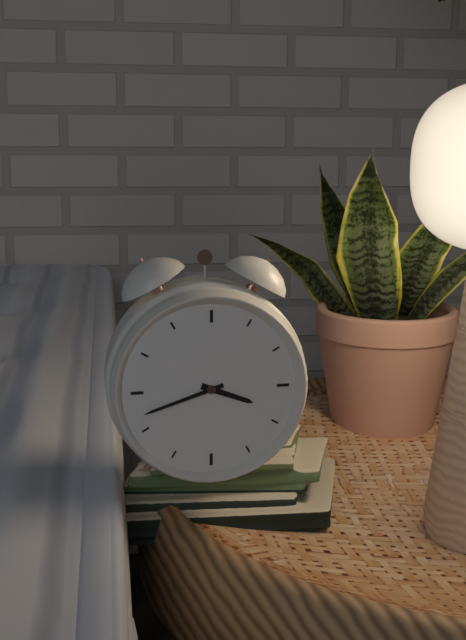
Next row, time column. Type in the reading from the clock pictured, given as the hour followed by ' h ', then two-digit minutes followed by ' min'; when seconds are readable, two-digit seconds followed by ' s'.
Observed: 3 h 42 min
